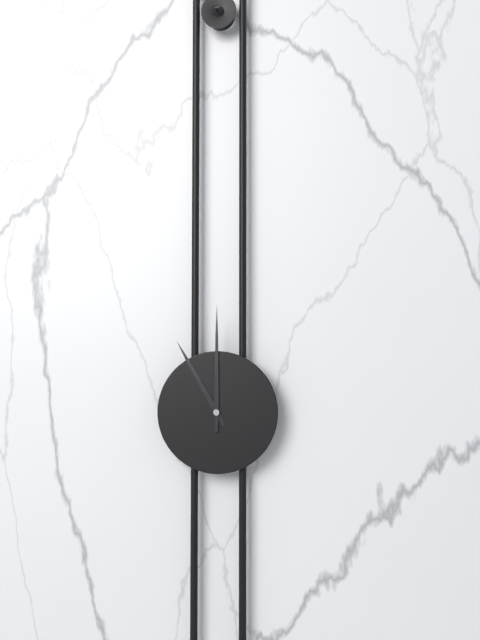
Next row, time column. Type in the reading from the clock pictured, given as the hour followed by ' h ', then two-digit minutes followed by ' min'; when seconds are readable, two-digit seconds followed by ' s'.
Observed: 11 h 00 min
